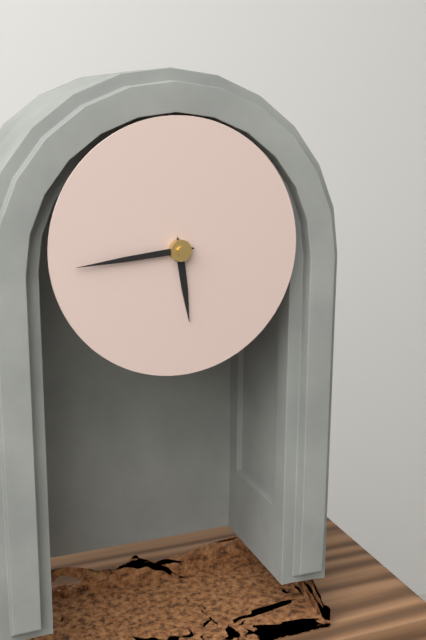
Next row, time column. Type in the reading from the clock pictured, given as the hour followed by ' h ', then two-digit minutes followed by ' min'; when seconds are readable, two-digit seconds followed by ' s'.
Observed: 5 h 44 min
